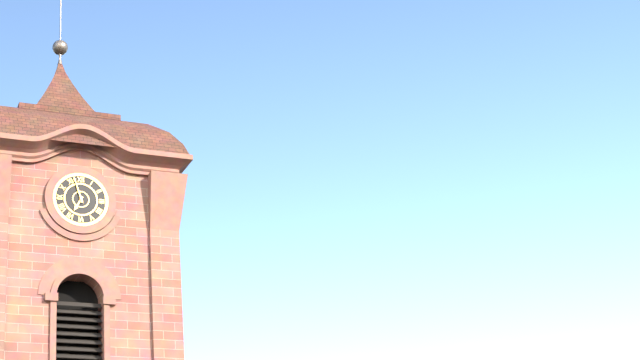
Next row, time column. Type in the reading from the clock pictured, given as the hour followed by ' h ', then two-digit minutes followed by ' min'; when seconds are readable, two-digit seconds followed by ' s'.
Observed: 6 h 57 min
